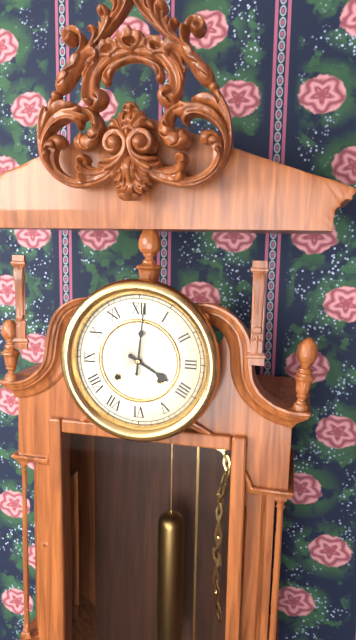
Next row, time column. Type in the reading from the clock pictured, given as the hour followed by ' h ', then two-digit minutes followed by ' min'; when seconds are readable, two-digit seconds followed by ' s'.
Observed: 4 h 01 min
